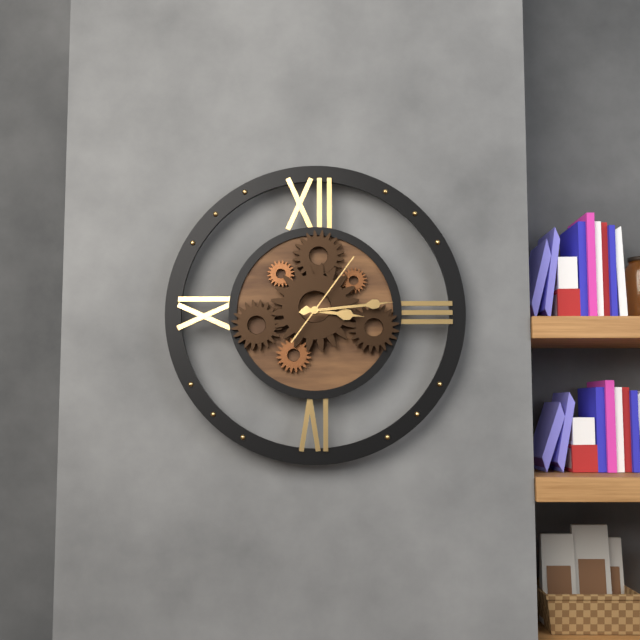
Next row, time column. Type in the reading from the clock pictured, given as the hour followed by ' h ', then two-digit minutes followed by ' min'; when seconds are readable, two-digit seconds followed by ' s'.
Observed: 3 h 14 min 06 s
